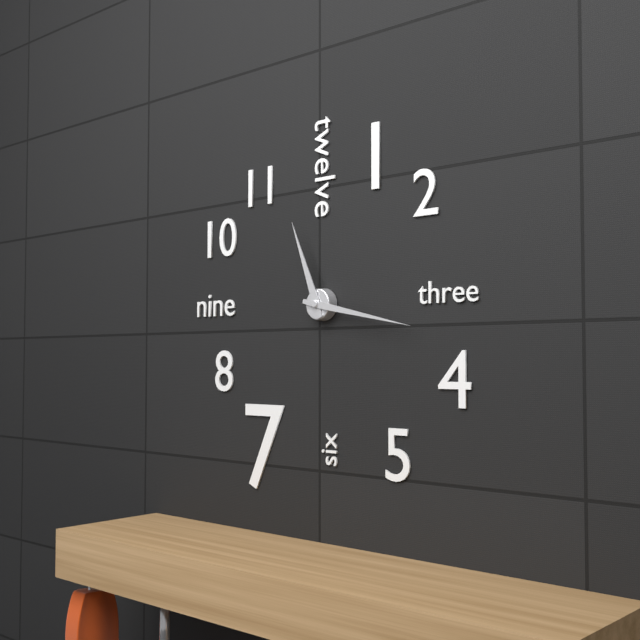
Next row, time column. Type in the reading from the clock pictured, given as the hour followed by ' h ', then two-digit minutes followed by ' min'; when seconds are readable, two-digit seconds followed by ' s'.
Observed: 11 h 17 min
